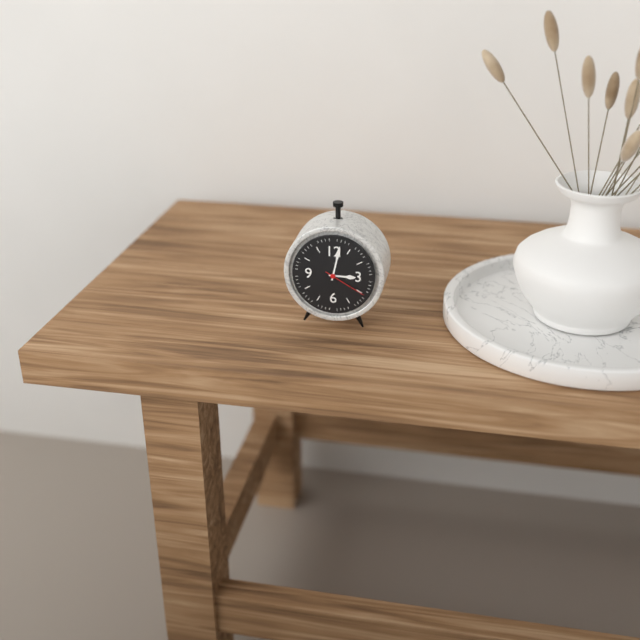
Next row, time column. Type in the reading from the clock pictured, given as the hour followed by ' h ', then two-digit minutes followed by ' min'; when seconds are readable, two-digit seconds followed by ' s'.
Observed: 3 h 02 min
